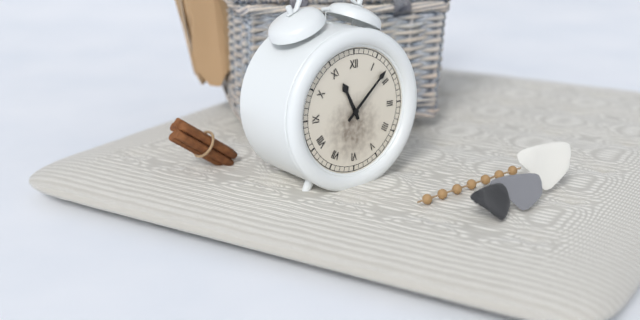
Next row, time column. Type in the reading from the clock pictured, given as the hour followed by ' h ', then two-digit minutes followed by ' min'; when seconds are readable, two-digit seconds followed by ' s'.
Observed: 11 h 08 min
